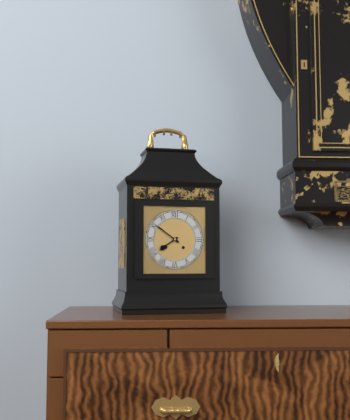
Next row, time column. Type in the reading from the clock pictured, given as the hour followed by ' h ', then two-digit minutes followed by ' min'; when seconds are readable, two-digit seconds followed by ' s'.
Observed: 7 h 51 min
